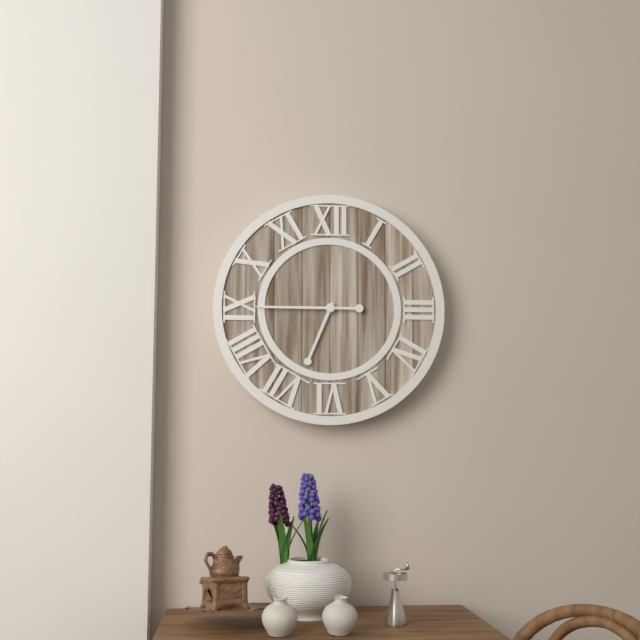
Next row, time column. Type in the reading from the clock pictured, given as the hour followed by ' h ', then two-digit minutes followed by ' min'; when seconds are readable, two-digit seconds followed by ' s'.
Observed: 6 h 45 min
